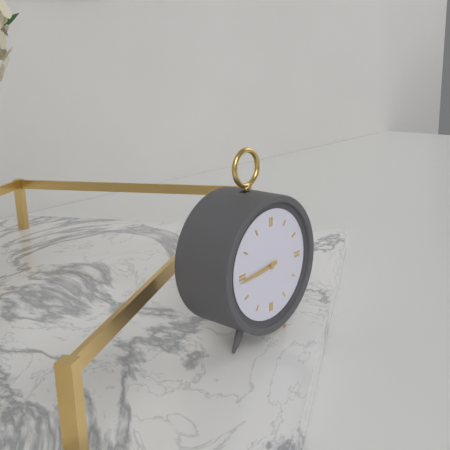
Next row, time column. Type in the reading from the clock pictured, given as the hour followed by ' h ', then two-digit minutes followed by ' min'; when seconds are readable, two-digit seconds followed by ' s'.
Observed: 8 h 44 min
